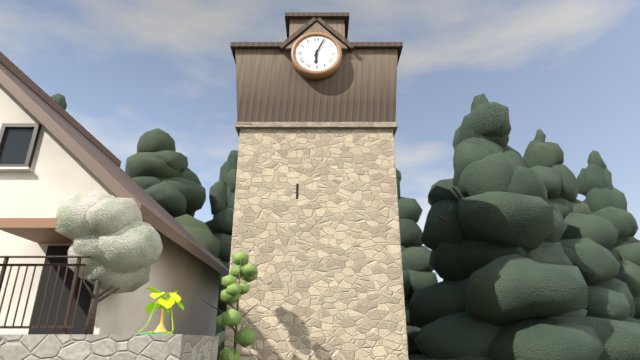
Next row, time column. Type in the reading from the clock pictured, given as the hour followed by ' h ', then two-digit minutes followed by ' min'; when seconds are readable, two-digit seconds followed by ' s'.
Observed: 6 h 04 min
